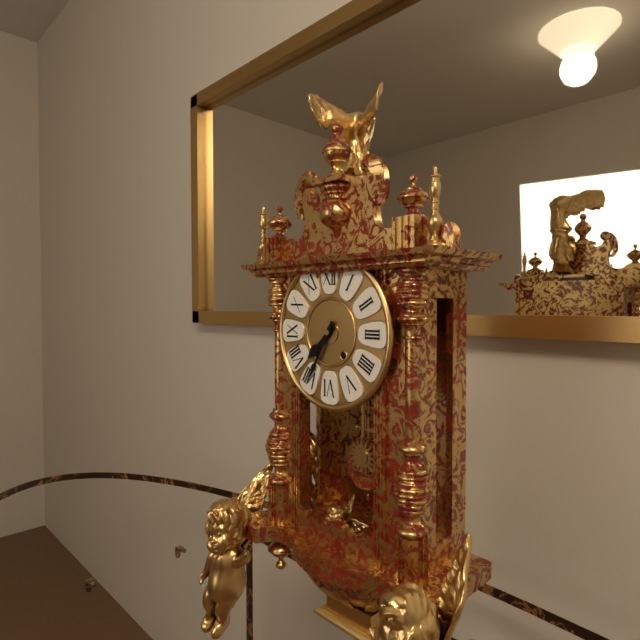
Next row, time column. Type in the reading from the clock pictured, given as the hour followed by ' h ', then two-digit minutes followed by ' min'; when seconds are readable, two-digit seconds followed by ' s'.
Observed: 7 h 35 min
